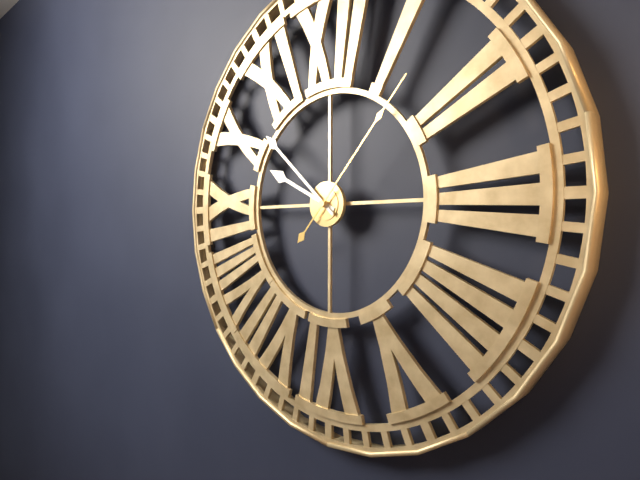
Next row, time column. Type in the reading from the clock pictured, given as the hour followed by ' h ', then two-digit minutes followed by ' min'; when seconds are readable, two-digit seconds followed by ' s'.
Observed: 9 h 52 min 07 s
